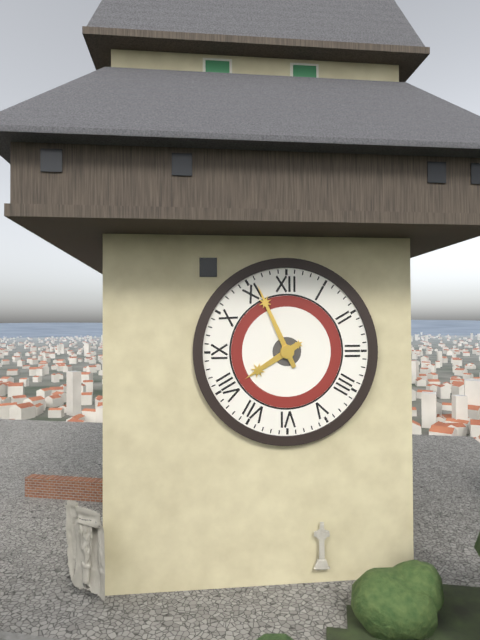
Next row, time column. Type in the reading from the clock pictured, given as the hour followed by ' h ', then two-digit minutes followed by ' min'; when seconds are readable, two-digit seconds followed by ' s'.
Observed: 7 h 56 min
